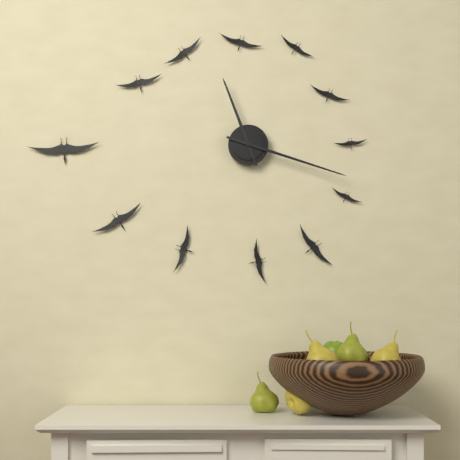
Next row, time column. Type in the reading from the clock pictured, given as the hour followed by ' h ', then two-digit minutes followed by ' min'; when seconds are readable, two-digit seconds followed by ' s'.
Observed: 11 h 18 min
